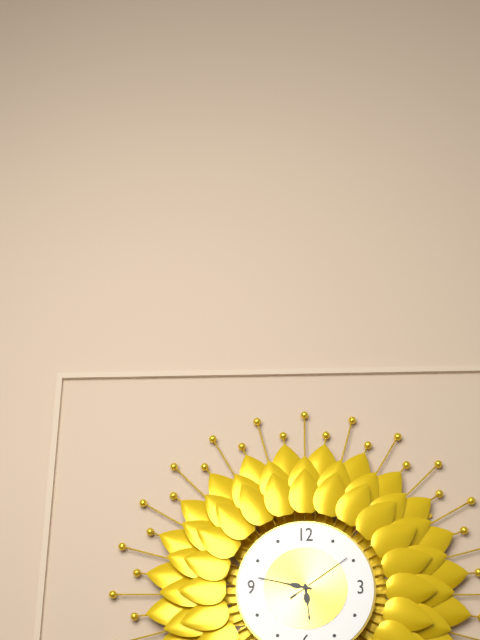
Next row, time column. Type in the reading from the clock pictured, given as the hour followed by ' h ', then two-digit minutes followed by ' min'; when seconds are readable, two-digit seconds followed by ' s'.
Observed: 5 h 47 min 09 s
